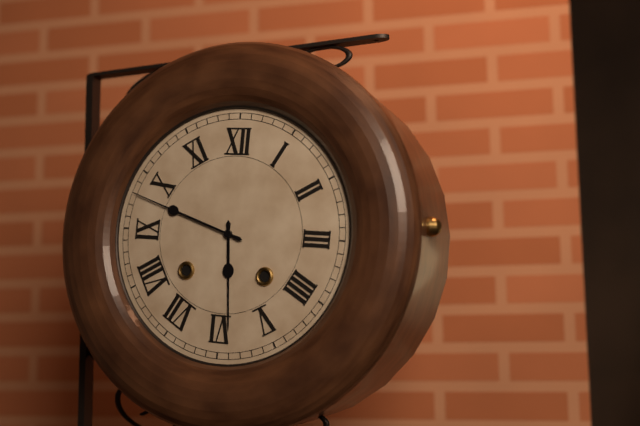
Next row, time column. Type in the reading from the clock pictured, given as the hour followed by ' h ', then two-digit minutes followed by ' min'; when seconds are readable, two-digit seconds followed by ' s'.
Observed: 5 h 48 min
